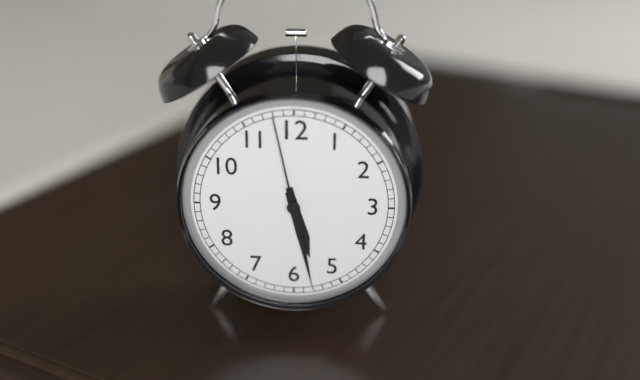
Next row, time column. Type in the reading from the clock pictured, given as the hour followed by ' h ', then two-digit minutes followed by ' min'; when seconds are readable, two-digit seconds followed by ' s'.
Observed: 5 h 28 min 58 s
